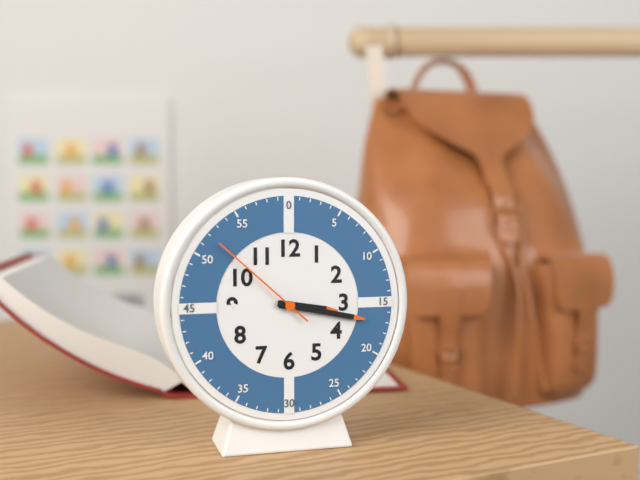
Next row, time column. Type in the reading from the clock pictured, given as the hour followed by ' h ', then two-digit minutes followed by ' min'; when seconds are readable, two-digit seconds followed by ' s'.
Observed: 3 h 17 min 52 s
